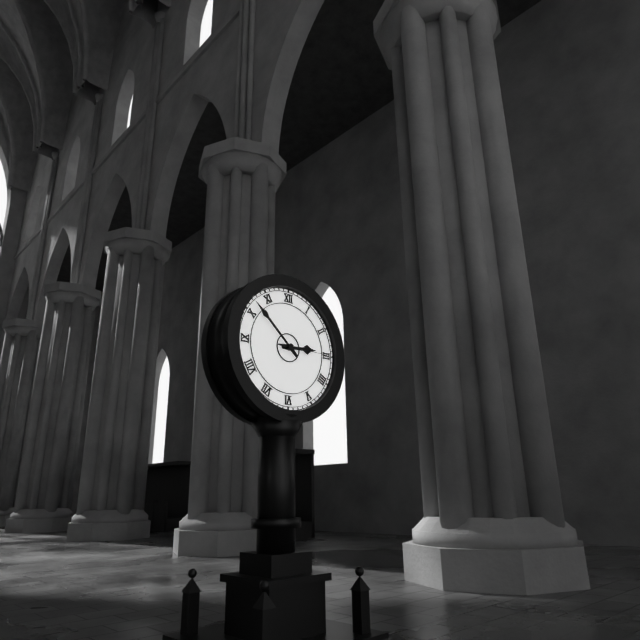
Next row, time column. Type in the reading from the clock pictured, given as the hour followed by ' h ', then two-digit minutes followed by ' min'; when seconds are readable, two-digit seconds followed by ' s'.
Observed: 2 h 52 min 15 s
